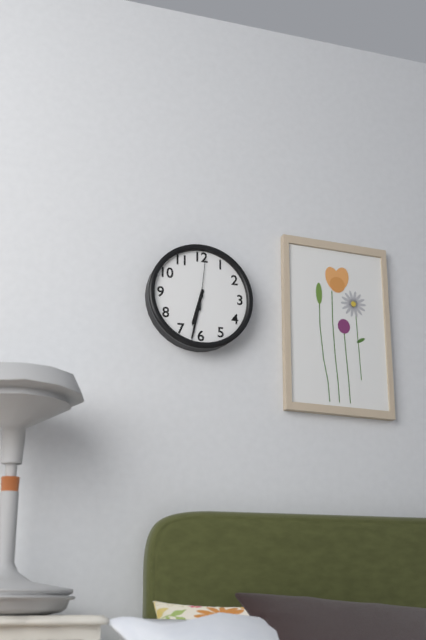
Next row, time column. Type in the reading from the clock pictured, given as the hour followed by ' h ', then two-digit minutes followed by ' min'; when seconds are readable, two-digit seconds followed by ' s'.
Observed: 6 h 32 min 01 s
